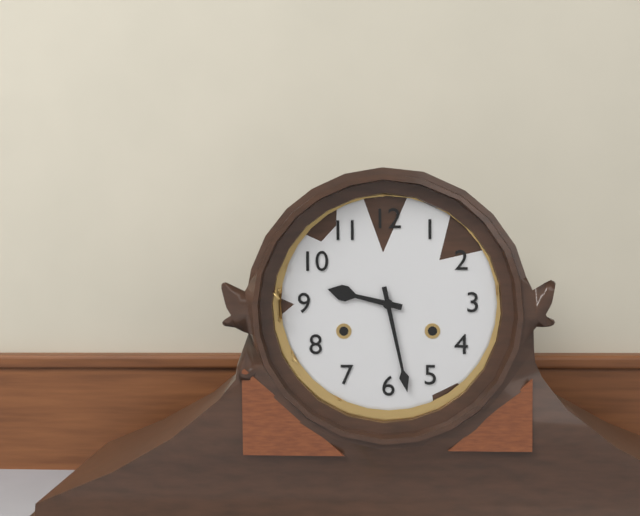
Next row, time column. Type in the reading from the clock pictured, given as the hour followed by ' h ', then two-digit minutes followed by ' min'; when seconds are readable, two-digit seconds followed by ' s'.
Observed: 9 h 28 min
